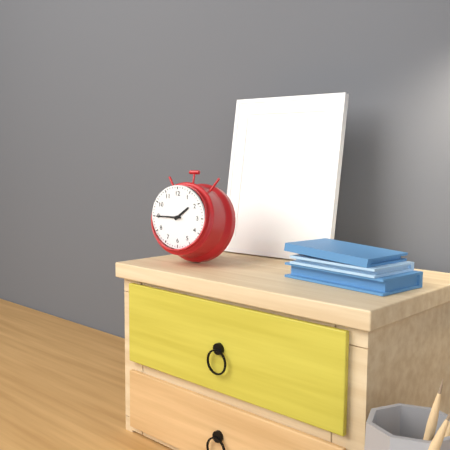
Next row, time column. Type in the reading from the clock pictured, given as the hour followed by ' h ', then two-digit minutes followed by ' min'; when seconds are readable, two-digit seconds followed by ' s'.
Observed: 1 h 45 min
